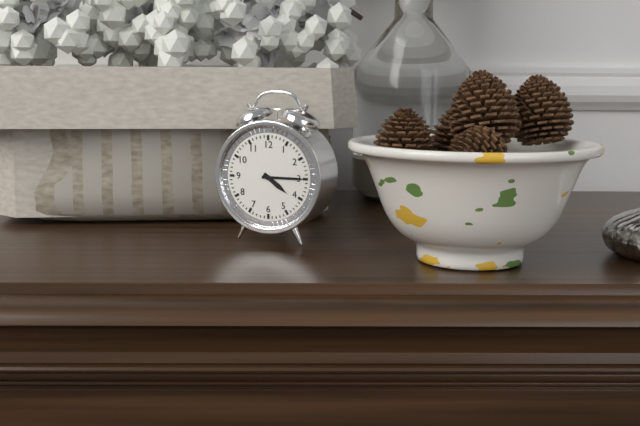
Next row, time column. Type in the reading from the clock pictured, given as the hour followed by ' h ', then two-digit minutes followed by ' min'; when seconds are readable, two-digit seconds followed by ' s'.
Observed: 4 h 15 min
